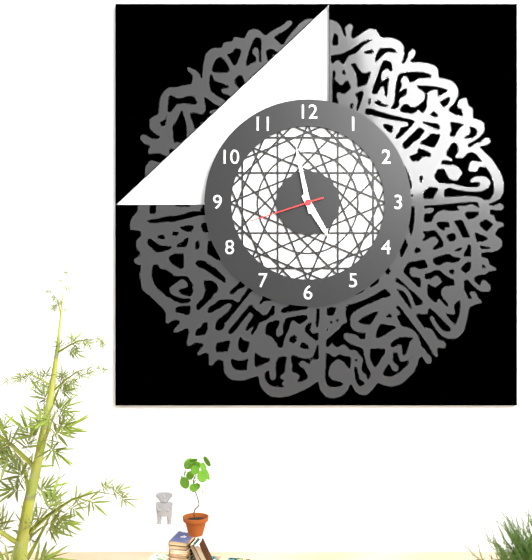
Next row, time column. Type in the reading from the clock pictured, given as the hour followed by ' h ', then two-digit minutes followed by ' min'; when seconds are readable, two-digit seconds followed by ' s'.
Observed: 4 h 58 min 42 s
